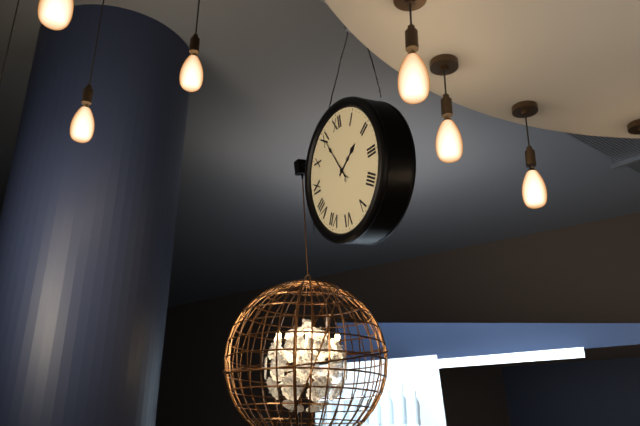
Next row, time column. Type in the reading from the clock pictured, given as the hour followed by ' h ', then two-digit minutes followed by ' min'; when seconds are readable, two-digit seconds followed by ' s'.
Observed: 1 h 55 min
